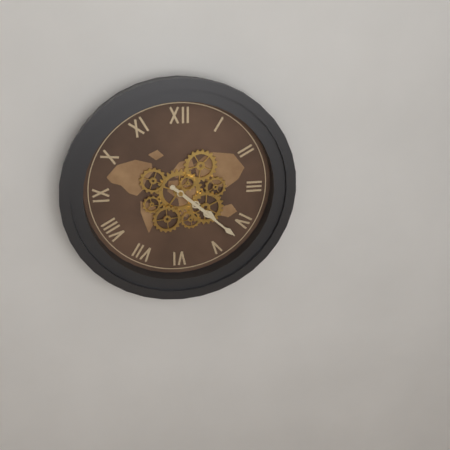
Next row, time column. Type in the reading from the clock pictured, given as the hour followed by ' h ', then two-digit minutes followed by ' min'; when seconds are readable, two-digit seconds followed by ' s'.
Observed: 4 h 22 min
